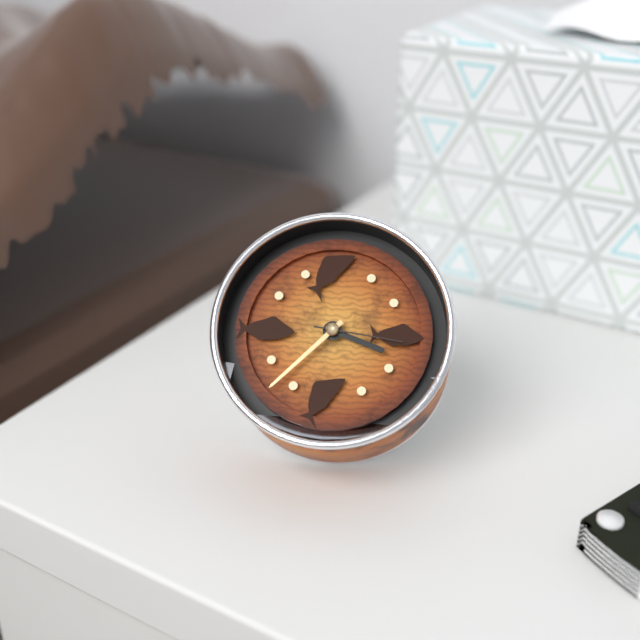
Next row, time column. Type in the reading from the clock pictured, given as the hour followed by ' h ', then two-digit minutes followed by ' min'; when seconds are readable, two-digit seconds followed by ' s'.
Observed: 3 h 37 min 16 s
